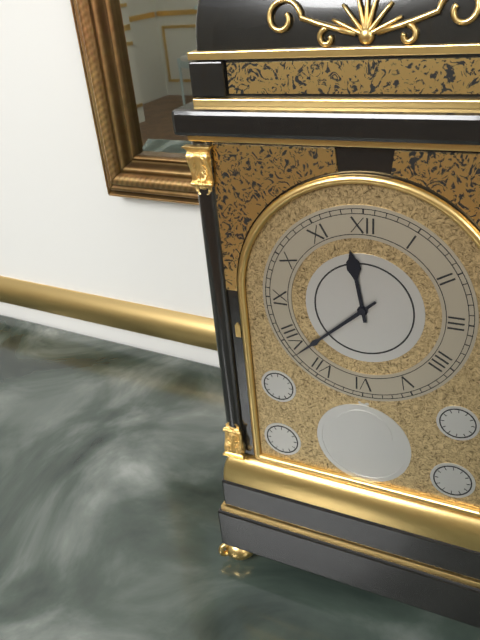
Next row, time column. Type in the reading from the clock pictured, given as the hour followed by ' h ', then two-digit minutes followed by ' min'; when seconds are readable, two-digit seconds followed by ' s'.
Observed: 11 h 38 min
